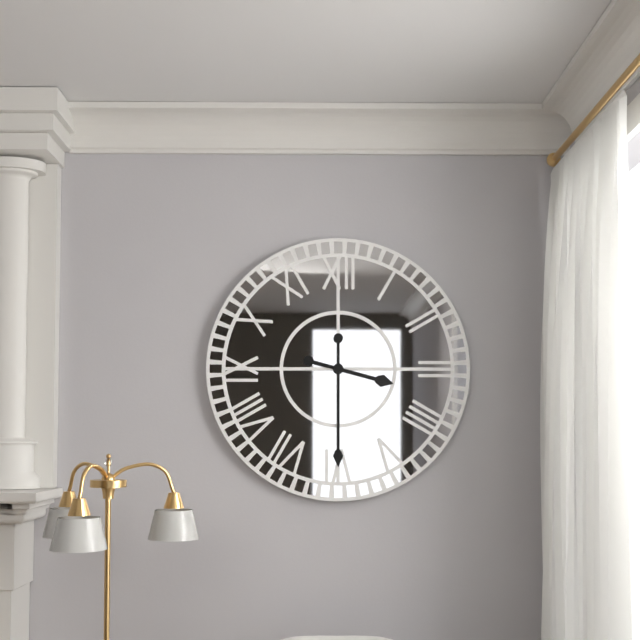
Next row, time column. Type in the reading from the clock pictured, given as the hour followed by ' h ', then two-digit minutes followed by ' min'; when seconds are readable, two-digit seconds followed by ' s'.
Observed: 3 h 30 min
